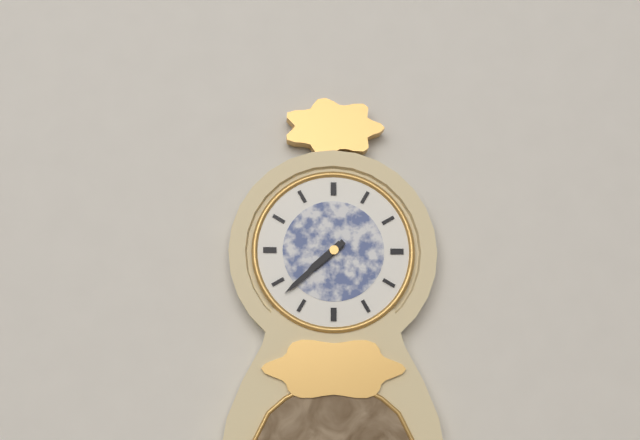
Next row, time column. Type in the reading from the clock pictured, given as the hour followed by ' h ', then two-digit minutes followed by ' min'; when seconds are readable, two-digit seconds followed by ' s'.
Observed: 7 h 38 min
